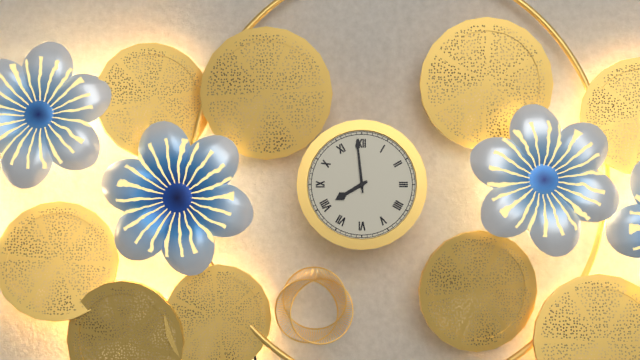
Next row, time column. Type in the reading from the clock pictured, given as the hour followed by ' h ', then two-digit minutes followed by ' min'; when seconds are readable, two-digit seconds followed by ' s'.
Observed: 7 h 59 min
